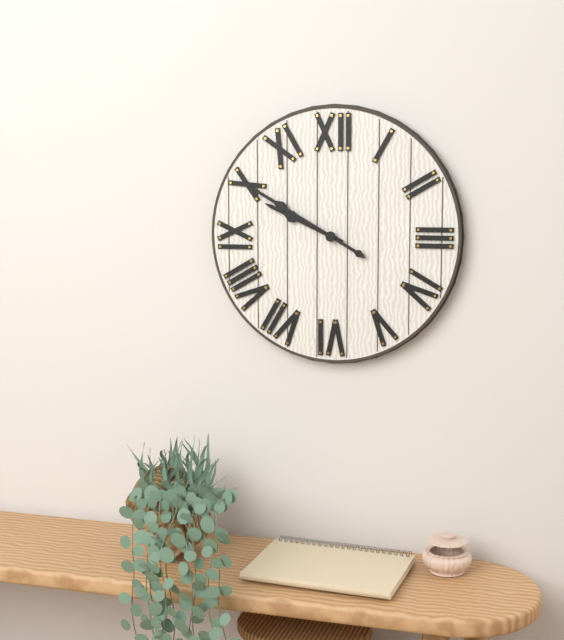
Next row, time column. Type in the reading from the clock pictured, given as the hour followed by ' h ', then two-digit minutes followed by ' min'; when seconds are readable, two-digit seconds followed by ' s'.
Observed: 9 h 50 min
